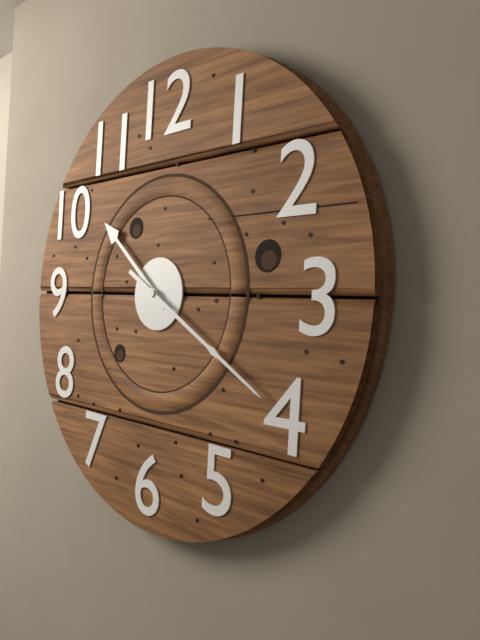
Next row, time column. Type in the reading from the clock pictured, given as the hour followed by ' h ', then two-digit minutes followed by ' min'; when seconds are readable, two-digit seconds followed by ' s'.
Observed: 10 h 20 min
